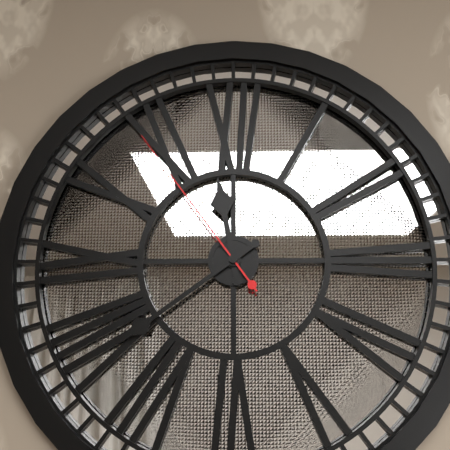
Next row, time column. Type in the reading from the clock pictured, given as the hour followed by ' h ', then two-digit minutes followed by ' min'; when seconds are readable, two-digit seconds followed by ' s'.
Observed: 11 h 39 min 54 s
